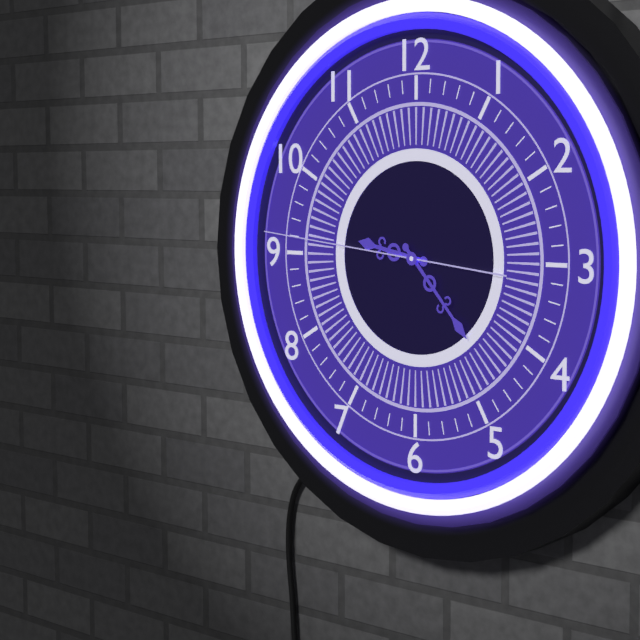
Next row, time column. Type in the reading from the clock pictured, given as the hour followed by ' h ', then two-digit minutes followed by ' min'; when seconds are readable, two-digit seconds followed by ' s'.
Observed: 9 h 23 min 46 s
